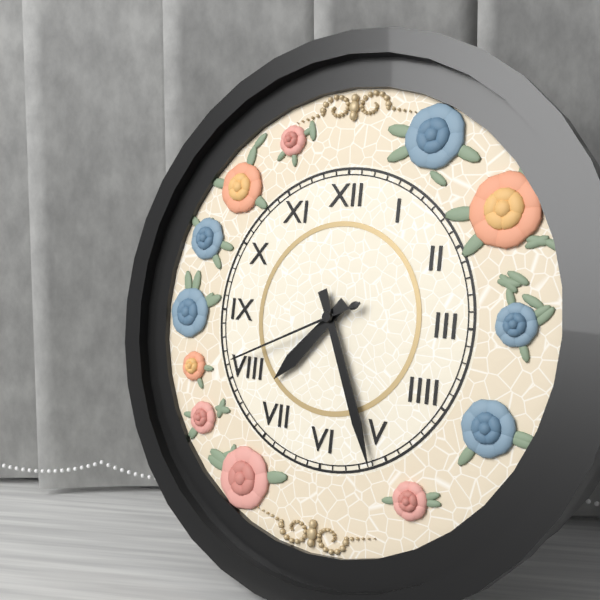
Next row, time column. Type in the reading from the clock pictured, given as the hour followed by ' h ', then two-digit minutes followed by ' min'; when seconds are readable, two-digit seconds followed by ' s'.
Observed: 7 h 26 min 41 s
